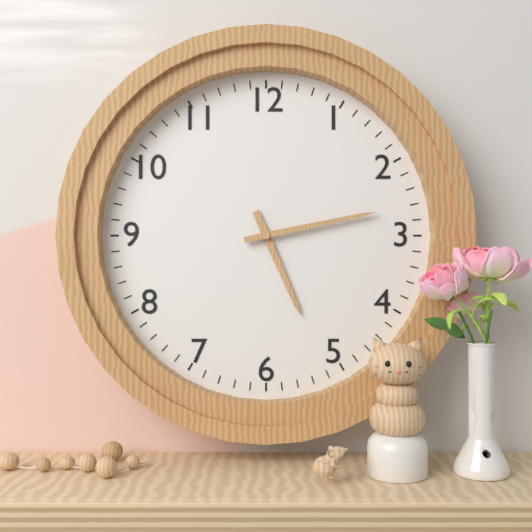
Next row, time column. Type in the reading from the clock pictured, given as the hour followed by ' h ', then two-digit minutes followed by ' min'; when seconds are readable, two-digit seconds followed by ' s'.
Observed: 5 h 13 min
